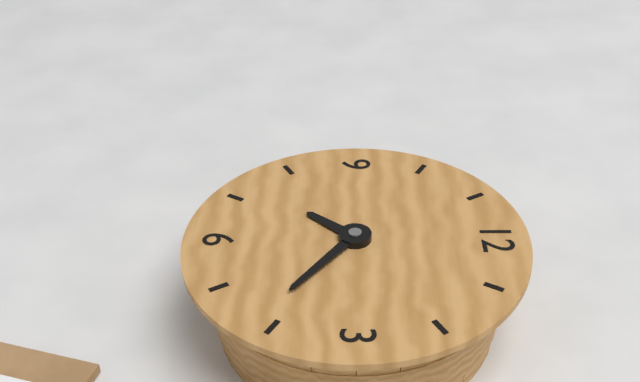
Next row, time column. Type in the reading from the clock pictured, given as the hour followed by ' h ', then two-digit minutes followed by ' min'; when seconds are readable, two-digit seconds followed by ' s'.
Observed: 7 h 21 min
